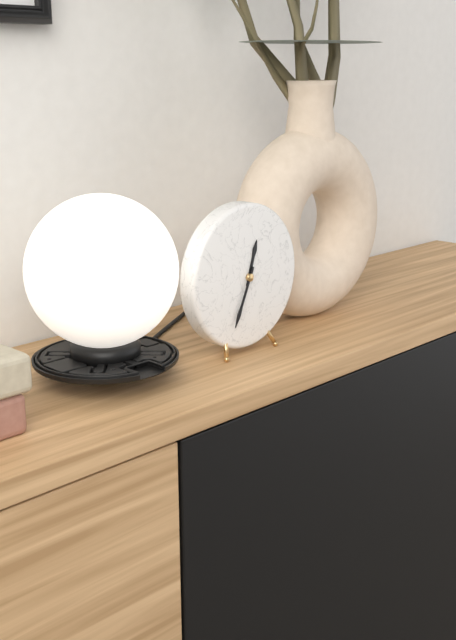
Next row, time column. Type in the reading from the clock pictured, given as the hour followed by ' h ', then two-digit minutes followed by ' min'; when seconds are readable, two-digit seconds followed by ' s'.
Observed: 12 h 34 min
